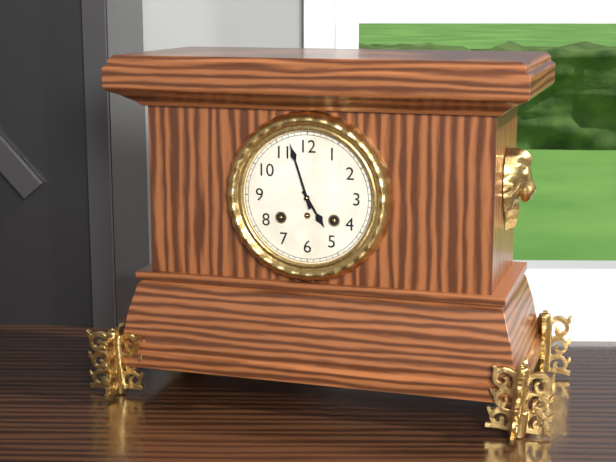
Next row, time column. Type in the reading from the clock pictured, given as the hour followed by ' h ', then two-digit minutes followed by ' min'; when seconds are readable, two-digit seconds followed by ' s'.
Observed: 4 h 57 min
